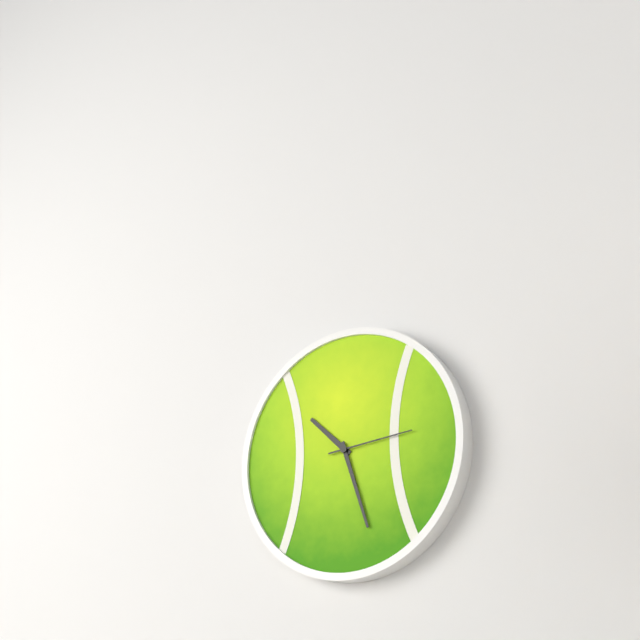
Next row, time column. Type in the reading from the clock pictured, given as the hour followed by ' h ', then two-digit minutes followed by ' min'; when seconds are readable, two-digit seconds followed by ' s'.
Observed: 10 h 27 min 14 s
